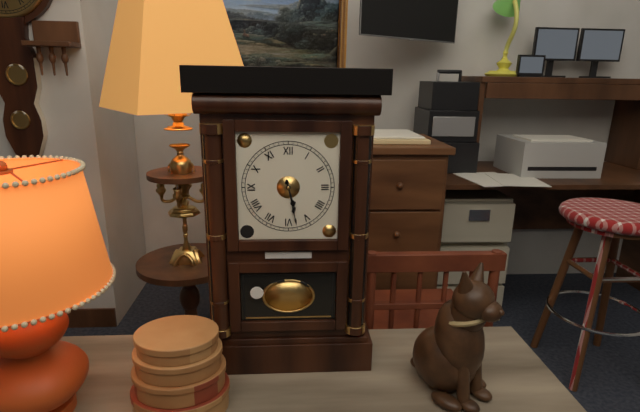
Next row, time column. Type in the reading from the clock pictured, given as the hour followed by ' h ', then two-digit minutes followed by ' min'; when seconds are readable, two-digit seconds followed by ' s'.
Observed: 5 h 28 min
